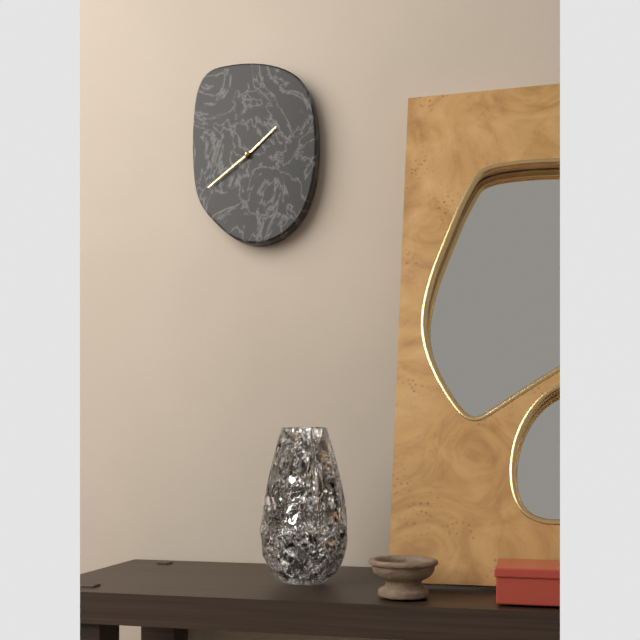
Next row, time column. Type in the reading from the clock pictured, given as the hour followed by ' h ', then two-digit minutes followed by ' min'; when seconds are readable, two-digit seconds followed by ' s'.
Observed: 1 h 39 min
